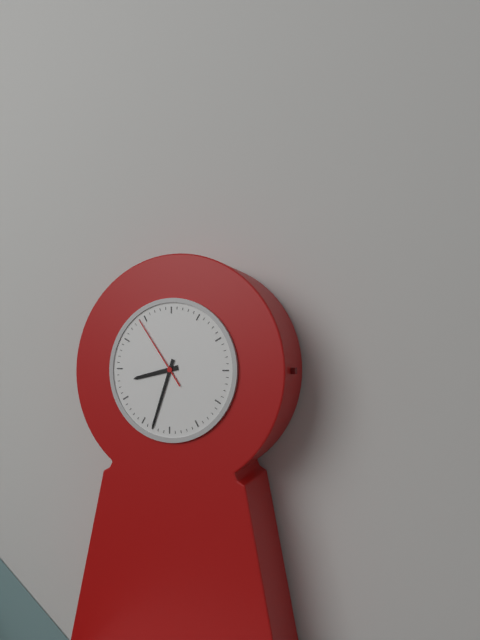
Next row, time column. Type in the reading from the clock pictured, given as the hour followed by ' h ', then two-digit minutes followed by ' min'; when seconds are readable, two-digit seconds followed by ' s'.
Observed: 8 h 33 min 54 s
